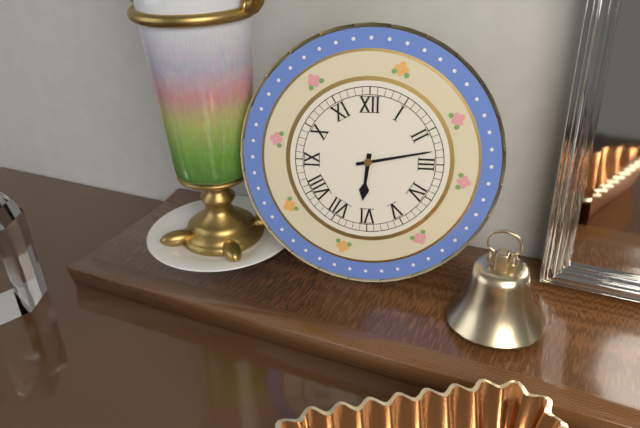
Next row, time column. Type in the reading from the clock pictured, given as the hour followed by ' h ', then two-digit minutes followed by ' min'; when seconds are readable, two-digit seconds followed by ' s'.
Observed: 6 h 13 min
